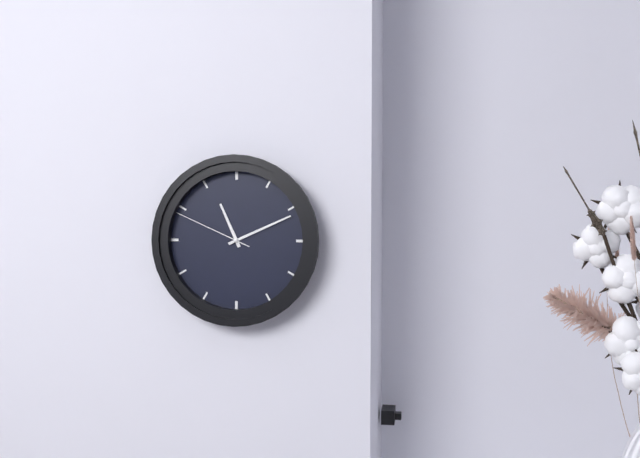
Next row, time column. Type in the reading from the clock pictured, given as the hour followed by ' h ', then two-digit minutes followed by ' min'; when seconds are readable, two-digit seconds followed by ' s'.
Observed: 11 h 11 min 49 s
